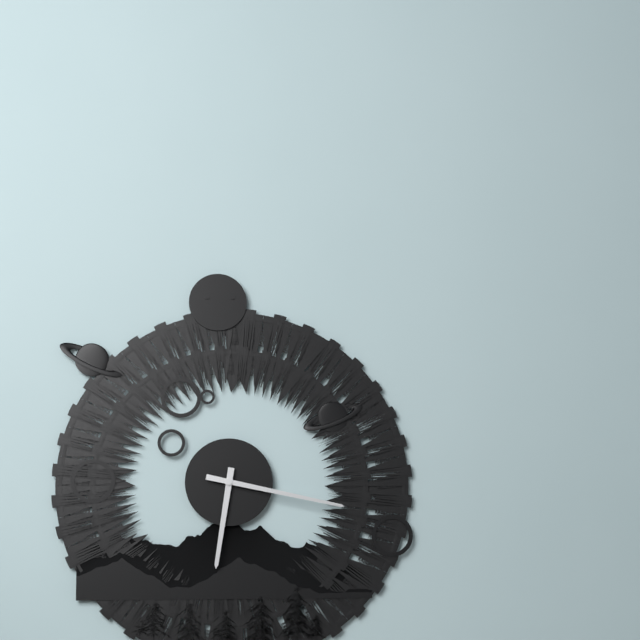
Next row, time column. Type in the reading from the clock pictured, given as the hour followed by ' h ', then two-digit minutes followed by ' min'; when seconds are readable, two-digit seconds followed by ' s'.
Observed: 6 h 17 min
